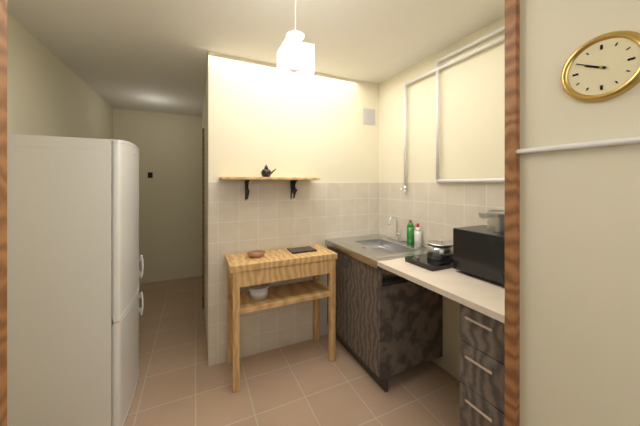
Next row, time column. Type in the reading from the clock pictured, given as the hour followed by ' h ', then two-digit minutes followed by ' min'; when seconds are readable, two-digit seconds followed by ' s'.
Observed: 9 h 50 min
